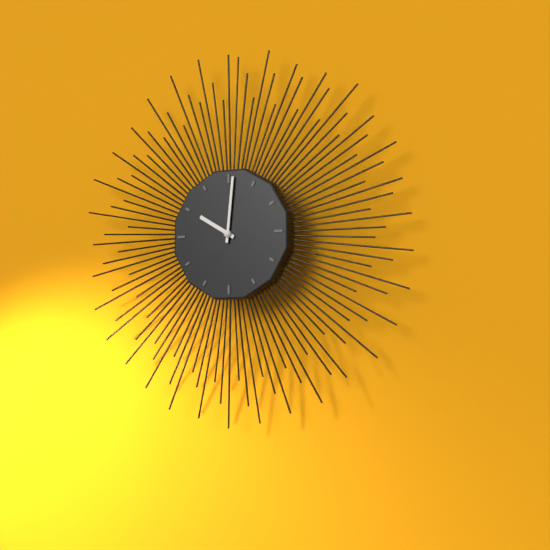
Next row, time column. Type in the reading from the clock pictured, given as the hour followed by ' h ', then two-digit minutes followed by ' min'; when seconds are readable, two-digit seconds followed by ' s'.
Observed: 10 h 01 min
